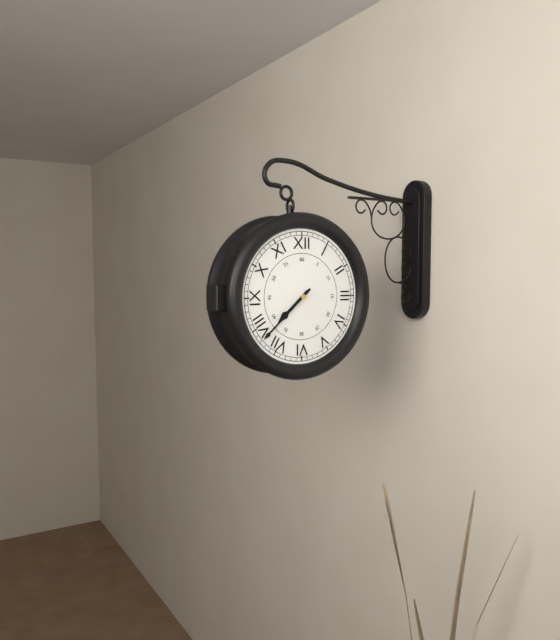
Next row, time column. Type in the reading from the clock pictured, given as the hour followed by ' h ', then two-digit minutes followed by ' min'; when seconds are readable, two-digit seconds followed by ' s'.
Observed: 7 h 38 min
